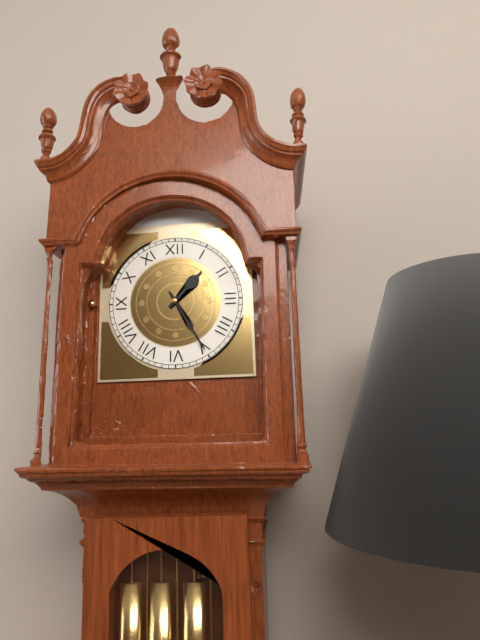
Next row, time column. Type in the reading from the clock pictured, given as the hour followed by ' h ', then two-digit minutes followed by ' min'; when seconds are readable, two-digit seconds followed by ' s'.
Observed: 1 h 25 min
